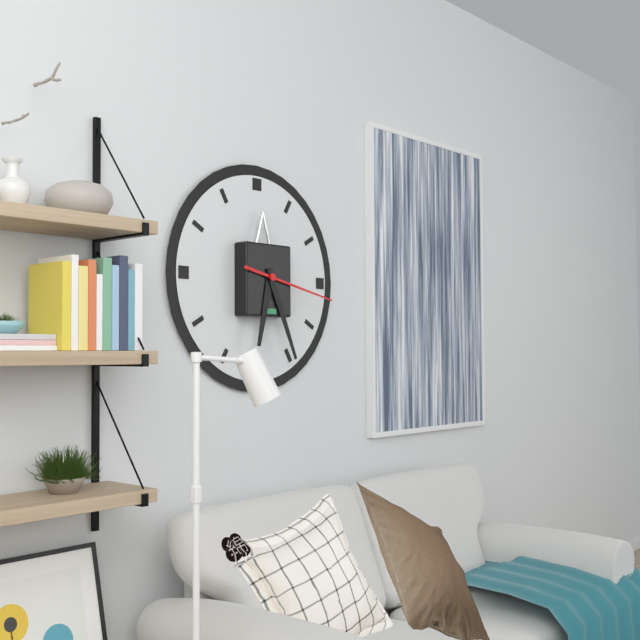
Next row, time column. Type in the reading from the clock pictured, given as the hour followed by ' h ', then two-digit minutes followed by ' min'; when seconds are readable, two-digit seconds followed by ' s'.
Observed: 6 h 26 min 17 s
